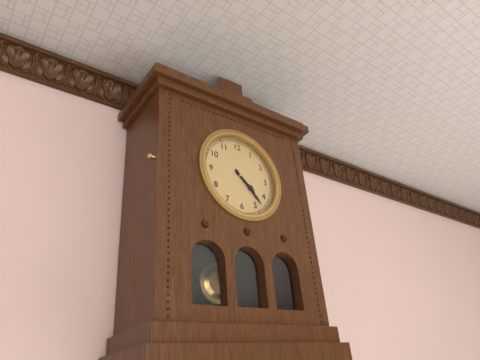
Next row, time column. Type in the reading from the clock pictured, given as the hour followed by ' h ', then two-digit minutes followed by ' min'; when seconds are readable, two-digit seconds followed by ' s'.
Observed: 4 h 23 min
